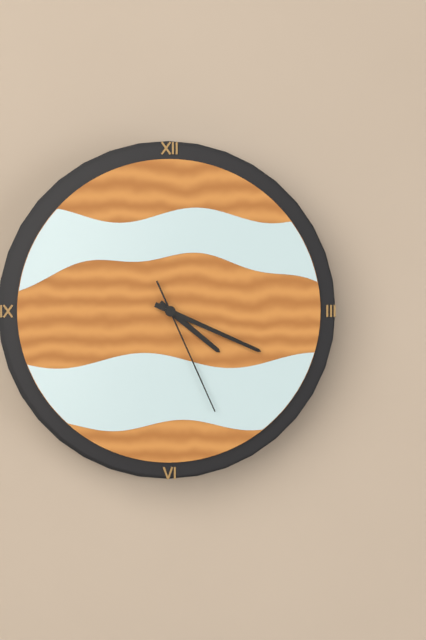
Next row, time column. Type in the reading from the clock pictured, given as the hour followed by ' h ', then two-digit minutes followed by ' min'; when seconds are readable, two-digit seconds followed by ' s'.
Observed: 4 h 19 min 26 s
